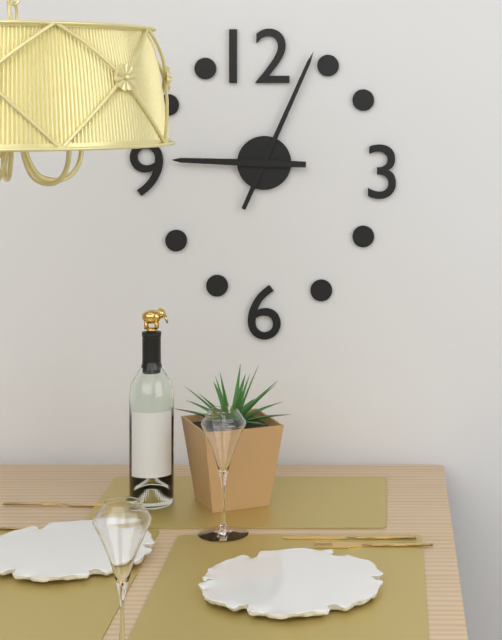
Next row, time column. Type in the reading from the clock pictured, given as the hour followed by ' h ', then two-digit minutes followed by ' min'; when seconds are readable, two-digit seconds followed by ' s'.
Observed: 9 h 04 min
